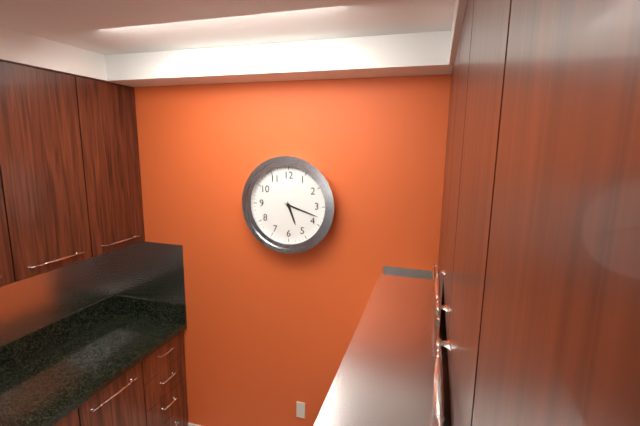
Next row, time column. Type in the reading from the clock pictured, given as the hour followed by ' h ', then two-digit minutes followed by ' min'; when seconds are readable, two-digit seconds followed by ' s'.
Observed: 5 h 18 min
